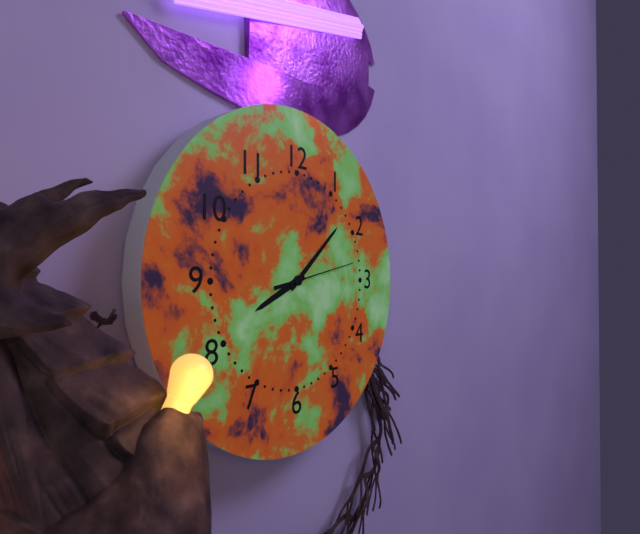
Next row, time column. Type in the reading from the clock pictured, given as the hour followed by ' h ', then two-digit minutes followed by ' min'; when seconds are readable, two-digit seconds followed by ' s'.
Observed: 8 h 08 min 13 s
